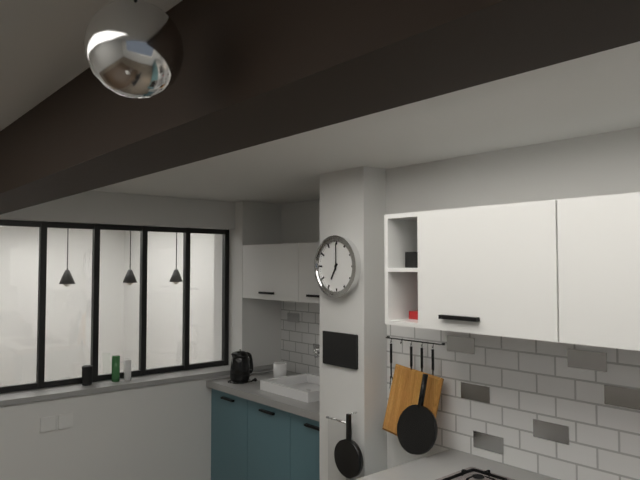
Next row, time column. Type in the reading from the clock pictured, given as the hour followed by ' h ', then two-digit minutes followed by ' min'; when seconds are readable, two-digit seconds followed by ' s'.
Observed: 7 h 00 min
